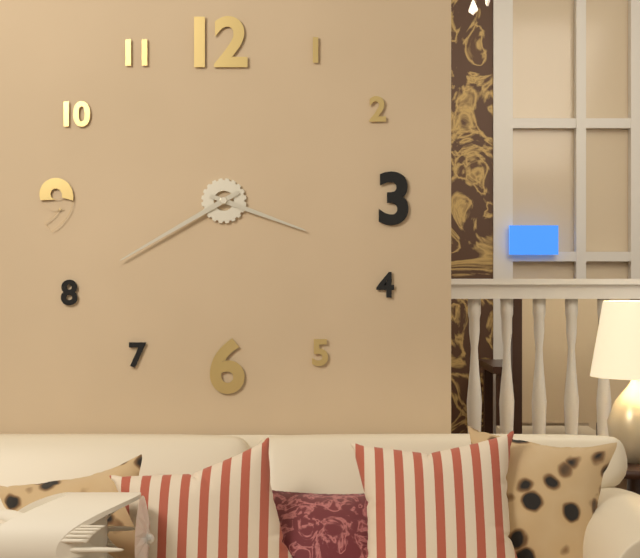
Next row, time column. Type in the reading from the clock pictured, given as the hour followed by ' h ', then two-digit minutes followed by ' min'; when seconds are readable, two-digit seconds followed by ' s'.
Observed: 3 h 40 min
